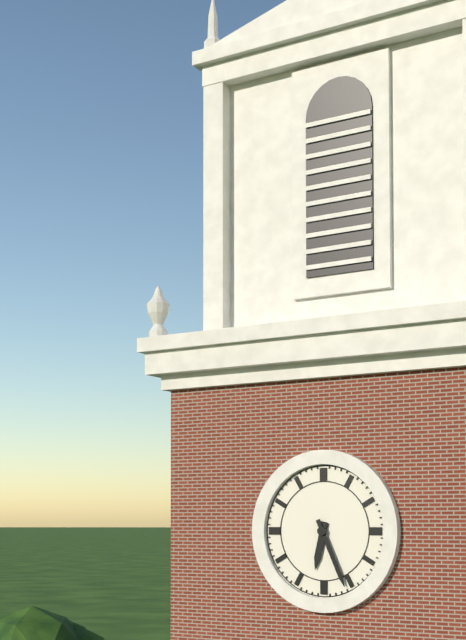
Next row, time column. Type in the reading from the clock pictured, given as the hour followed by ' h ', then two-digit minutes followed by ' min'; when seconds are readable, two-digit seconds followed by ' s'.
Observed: 6 h 26 min
